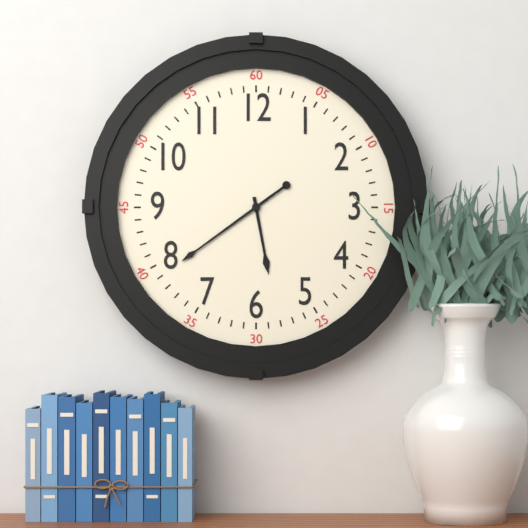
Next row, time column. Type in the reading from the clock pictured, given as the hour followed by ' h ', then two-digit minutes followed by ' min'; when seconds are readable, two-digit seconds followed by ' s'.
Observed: 5 h 39 min
